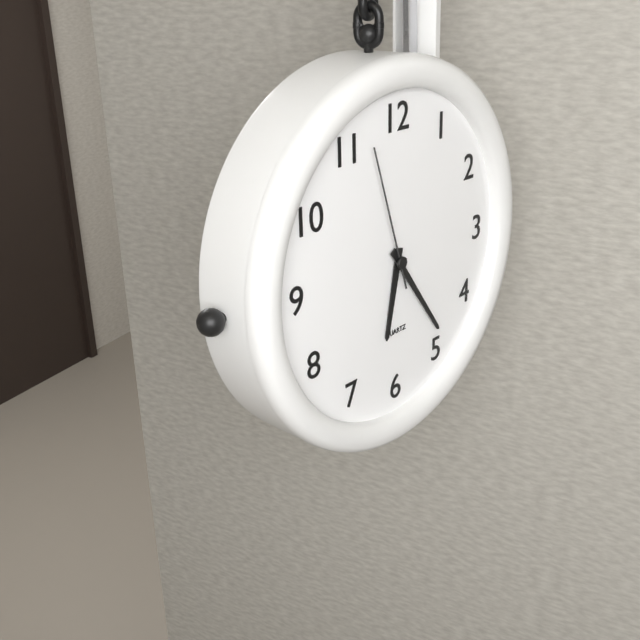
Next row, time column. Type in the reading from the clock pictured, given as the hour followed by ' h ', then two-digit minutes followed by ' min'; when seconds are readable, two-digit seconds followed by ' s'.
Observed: 6 h 24 min 57 s
